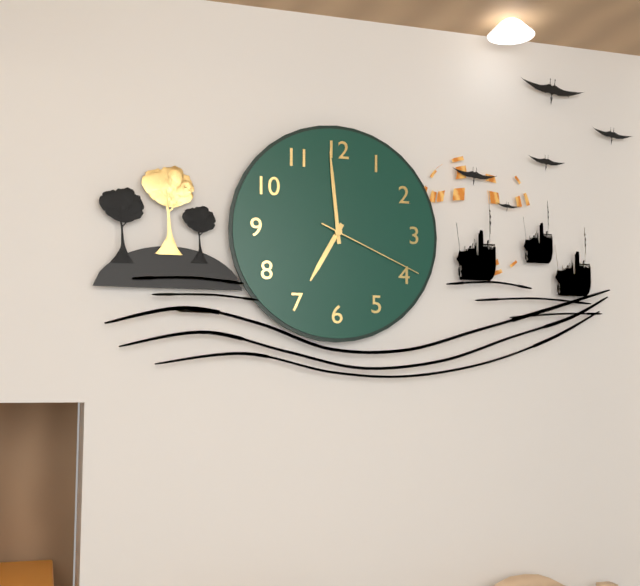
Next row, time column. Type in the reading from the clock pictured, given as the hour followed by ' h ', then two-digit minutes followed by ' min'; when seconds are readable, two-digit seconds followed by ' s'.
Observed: 6 h 59 min 19 s
